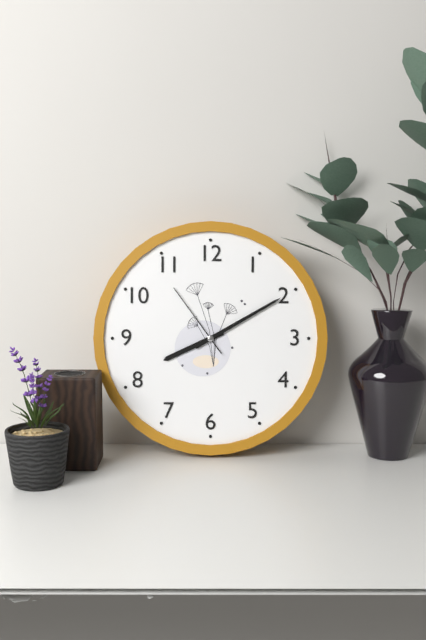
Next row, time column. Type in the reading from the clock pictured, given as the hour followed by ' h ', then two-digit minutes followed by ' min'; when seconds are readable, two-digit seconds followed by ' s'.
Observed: 8 h 10 min 54 s
